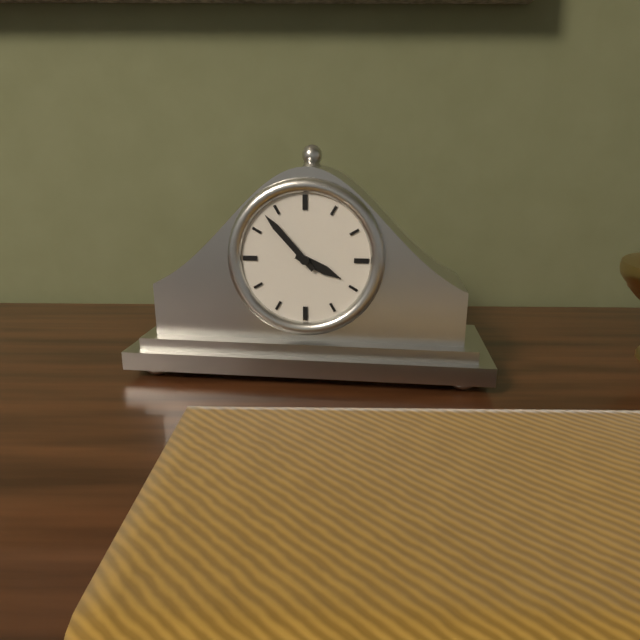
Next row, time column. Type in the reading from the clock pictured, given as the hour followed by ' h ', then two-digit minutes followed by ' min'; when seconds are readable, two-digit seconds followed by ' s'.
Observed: 3 h 53 min
